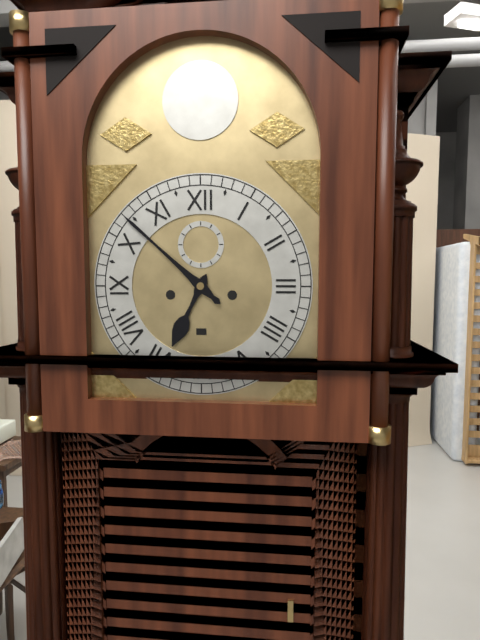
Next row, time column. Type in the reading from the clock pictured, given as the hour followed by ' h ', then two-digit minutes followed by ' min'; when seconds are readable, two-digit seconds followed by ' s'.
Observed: 6 h 52 min
